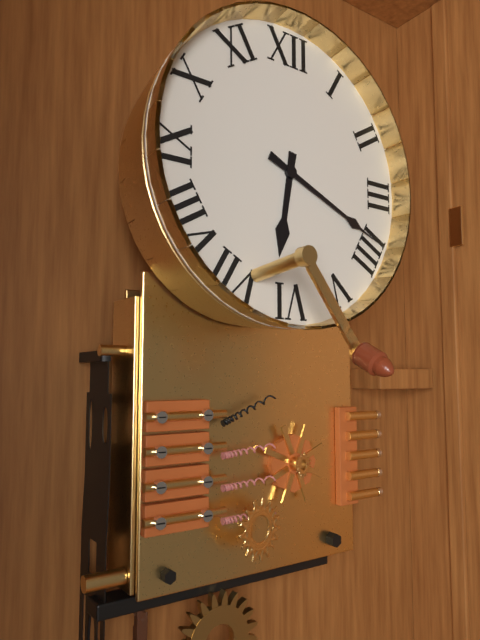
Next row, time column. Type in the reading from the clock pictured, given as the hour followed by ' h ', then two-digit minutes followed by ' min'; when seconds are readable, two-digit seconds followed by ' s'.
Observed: 6 h 19 min
